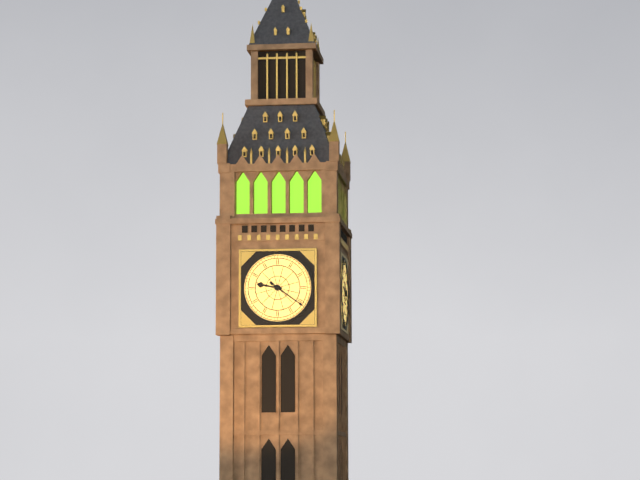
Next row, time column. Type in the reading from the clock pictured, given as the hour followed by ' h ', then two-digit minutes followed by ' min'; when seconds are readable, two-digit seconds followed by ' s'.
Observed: 9 h 21 min
